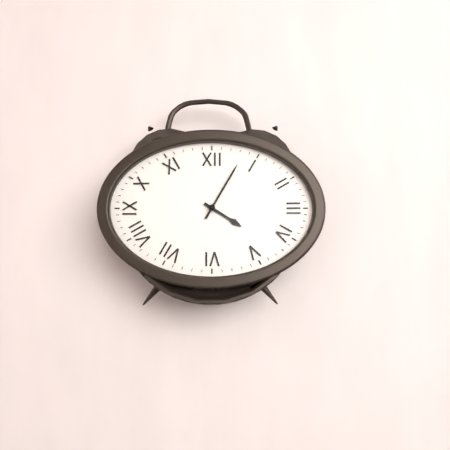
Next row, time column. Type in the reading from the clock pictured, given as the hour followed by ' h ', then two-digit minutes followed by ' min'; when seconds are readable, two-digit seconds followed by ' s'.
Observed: 4 h 05 min
